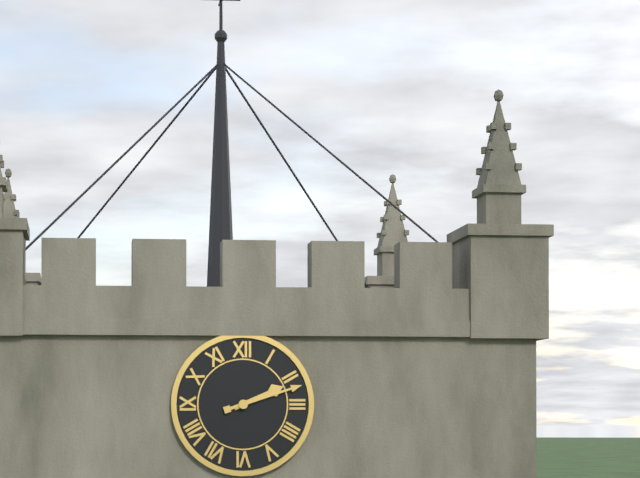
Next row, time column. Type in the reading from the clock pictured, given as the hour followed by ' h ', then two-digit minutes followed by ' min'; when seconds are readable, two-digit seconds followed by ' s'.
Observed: 2 h 12 min
